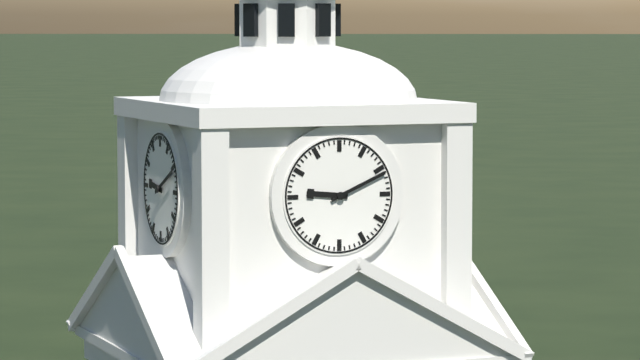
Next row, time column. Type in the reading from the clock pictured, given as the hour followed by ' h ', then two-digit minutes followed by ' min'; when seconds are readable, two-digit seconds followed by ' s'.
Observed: 9 h 11 min
